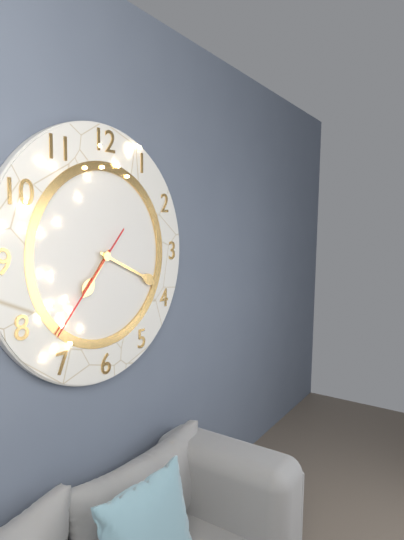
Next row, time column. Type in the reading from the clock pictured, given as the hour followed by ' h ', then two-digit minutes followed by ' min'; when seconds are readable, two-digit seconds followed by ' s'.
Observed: 7 h 19 min 37 s
